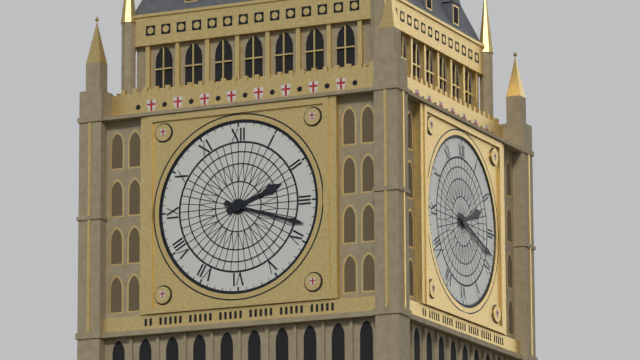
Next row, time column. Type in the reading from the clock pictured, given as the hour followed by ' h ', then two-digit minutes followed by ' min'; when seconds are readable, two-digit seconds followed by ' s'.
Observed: 2 h 18 min
